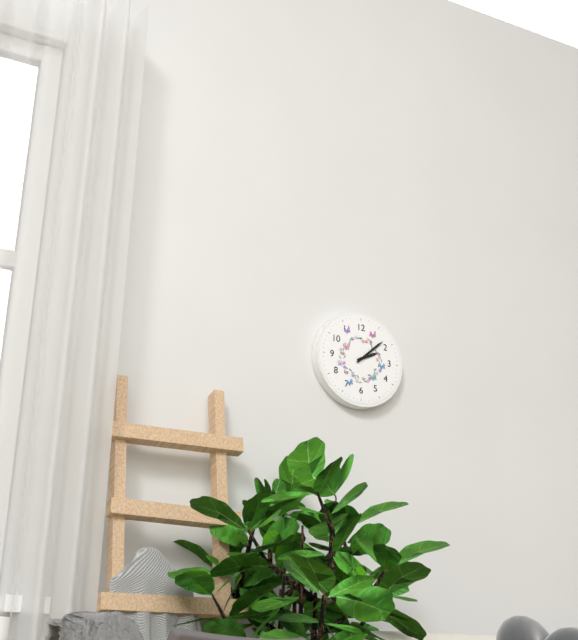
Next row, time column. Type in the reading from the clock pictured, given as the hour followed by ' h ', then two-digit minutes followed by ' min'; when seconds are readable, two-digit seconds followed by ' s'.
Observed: 2 h 08 min
